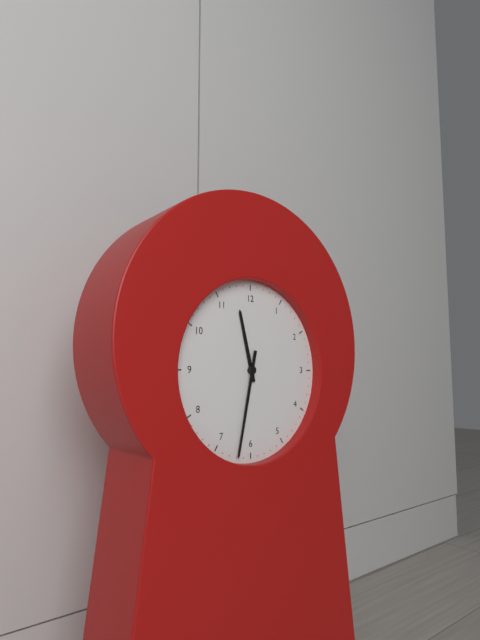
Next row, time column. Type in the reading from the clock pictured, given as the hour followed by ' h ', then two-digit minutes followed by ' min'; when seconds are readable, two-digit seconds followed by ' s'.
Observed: 11 h 32 min
